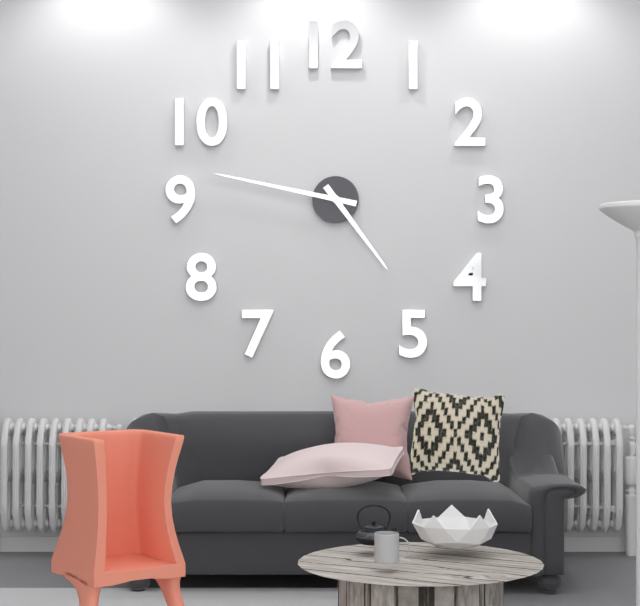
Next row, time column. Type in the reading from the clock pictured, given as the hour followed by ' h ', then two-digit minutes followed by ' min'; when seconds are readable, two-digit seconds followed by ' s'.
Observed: 4 h 47 min
